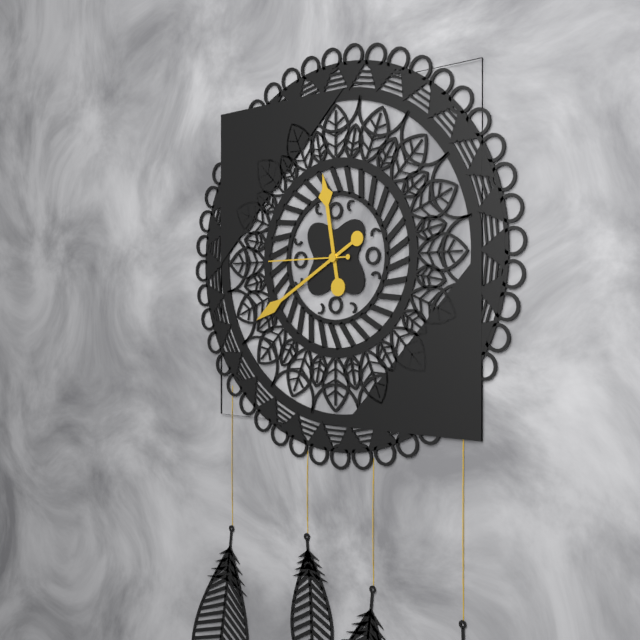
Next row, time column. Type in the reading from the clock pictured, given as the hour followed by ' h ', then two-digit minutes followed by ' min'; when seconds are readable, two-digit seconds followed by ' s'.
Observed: 11 h 40 min 45 s
